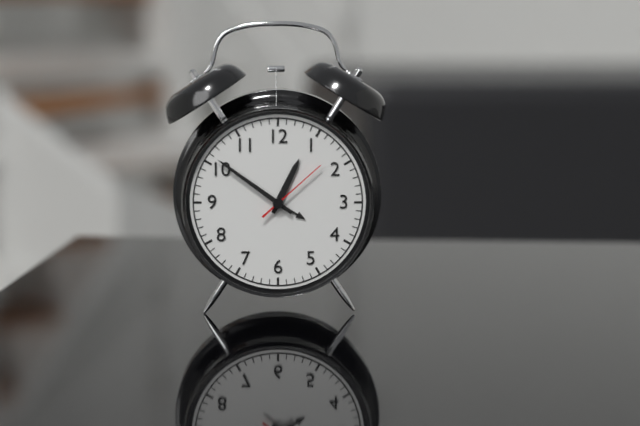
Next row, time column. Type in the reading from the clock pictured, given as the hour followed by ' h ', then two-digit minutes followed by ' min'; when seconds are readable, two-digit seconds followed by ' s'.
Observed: 12 h 51 min 08 s
